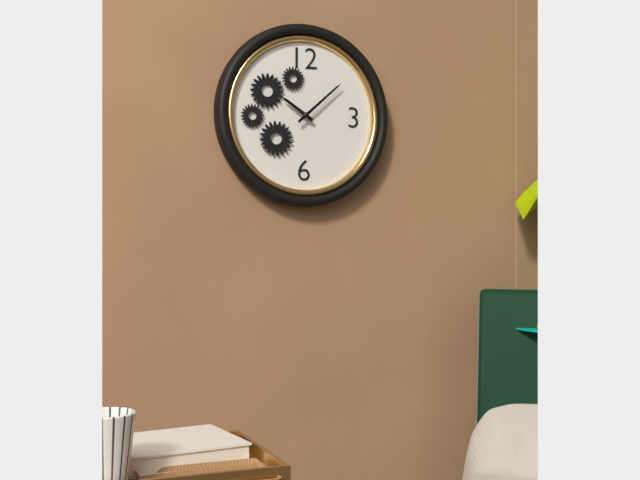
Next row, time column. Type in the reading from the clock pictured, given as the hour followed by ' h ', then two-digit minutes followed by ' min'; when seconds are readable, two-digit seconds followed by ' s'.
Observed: 10 h 08 min
